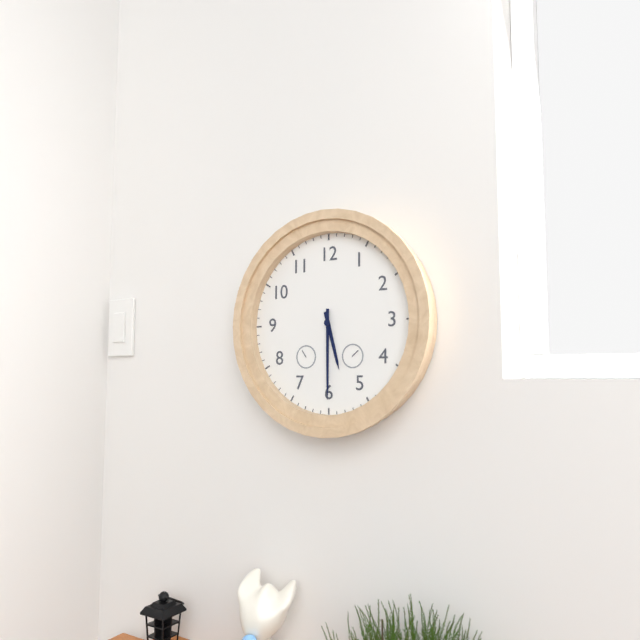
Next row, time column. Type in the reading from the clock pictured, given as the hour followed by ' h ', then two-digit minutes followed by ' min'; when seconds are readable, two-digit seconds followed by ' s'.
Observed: 5 h 30 min
